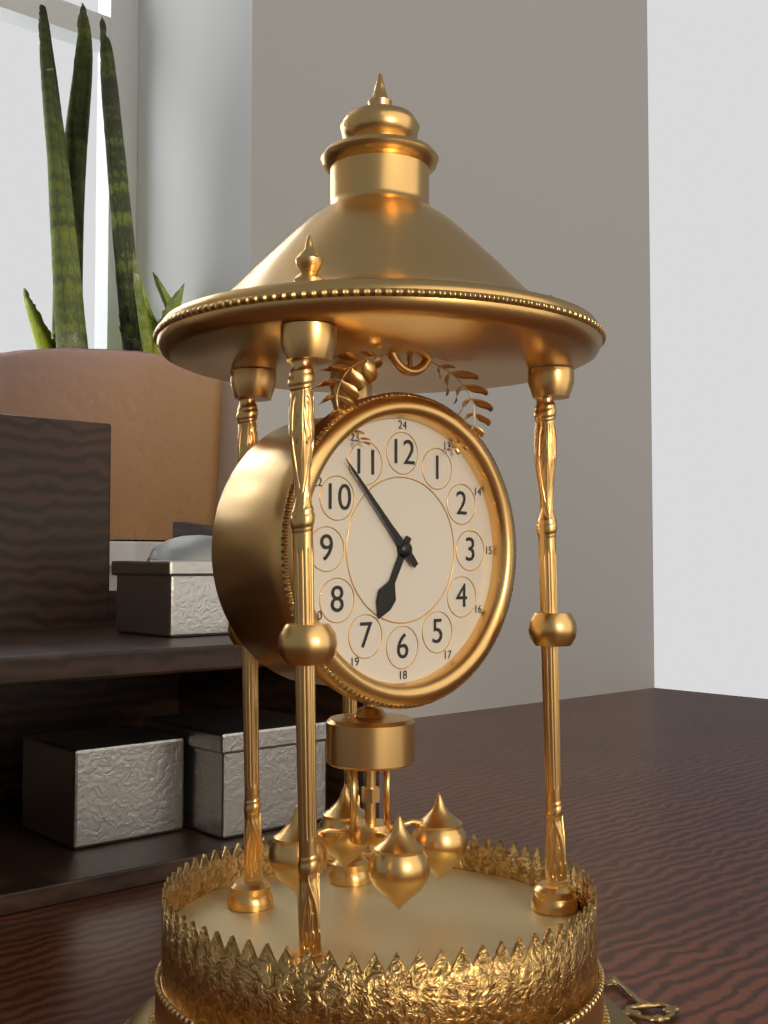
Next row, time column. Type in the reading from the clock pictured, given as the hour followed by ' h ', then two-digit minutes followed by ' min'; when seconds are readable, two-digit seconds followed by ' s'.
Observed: 6 h 53 min
